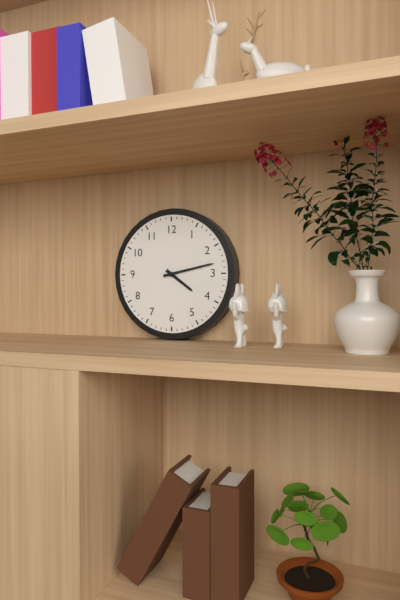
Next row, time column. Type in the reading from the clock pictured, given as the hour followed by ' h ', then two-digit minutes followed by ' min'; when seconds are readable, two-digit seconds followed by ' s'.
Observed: 4 h 13 min
